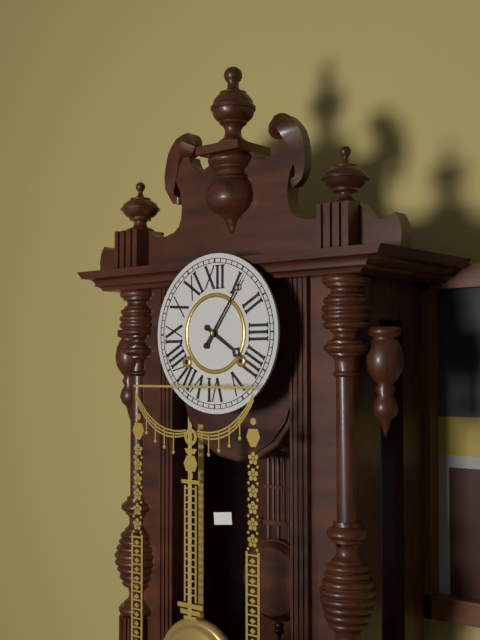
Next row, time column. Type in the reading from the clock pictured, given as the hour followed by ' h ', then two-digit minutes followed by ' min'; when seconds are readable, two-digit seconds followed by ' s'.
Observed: 4 h 06 min
